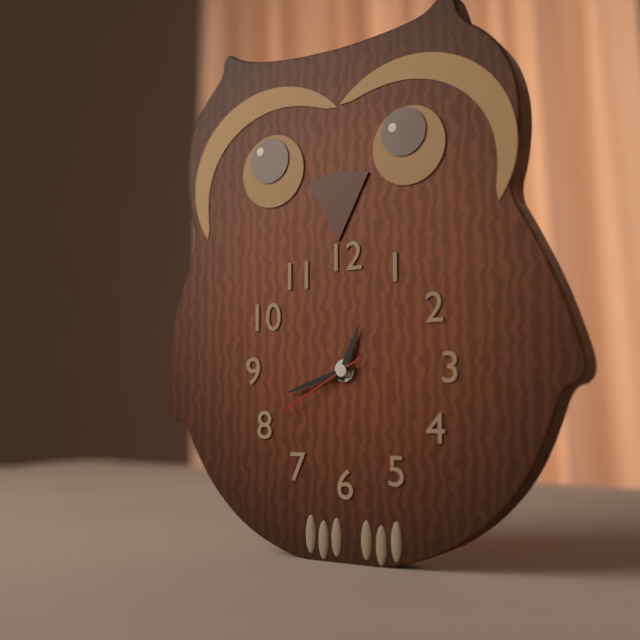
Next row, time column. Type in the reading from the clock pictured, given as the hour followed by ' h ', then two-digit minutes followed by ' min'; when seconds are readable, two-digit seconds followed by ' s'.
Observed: 12 h 42 min 40 s
